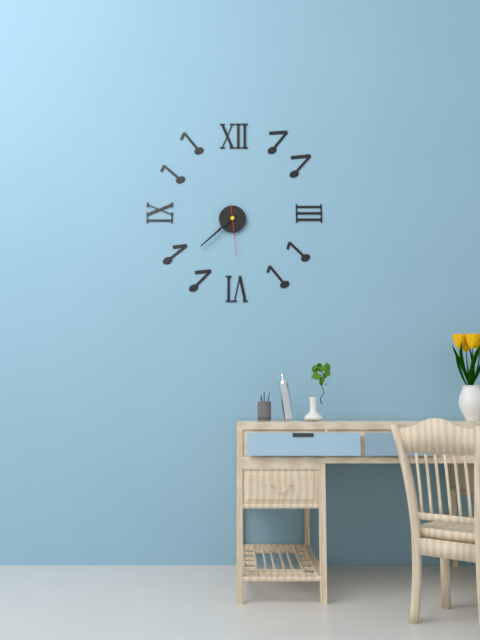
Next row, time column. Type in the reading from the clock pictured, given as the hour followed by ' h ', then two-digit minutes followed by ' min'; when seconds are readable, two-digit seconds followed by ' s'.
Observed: 7 h 38 min
